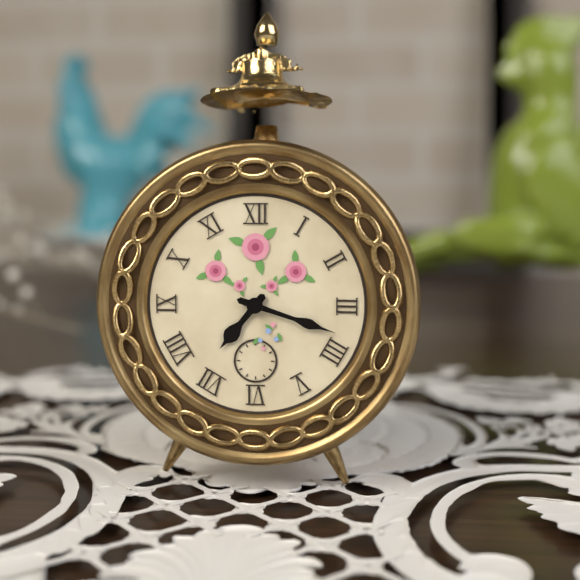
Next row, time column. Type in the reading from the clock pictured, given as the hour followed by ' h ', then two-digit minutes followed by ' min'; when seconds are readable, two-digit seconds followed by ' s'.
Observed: 7 h 18 min
